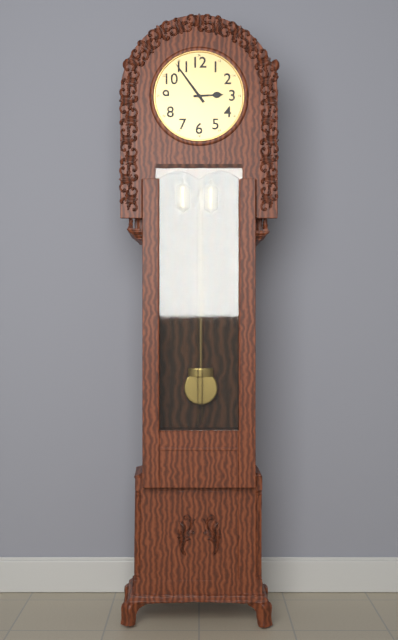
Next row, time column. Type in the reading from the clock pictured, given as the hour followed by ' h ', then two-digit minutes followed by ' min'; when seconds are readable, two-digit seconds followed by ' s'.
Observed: 2 h 54 min
